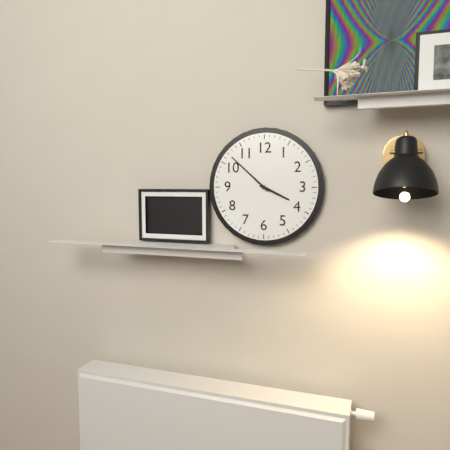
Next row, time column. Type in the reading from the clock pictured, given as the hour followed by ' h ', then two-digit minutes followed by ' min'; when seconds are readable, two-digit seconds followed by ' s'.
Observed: 3 h 52 min
